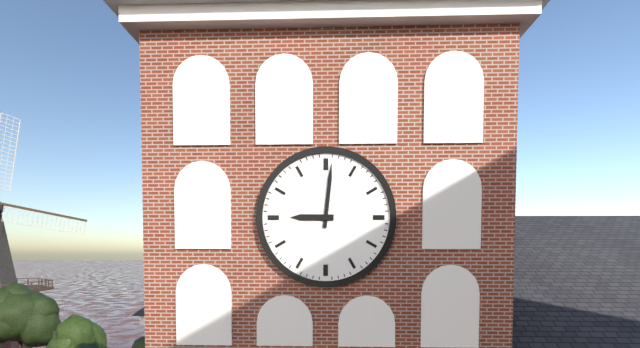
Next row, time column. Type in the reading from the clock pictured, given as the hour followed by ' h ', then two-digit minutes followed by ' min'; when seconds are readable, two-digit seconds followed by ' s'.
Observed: 9 h 01 min
